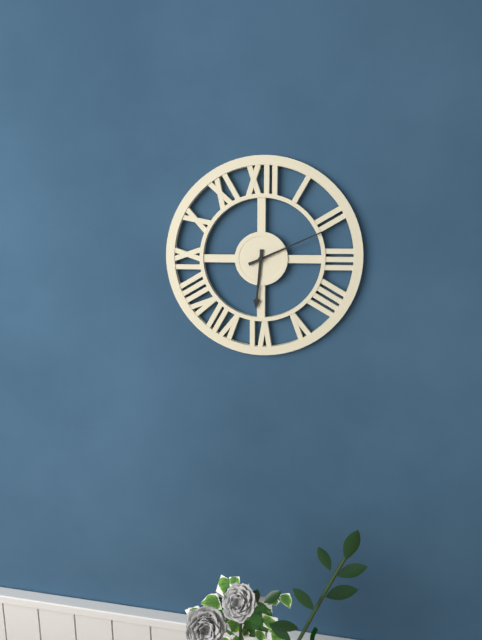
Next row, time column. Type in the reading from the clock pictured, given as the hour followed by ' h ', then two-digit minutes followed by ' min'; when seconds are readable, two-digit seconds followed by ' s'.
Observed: 6 h 11 min
